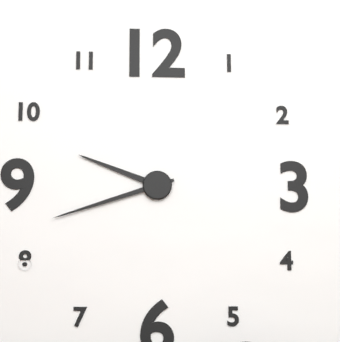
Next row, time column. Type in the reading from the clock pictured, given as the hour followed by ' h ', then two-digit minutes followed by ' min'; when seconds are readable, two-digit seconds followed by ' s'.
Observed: 9 h 42 min
